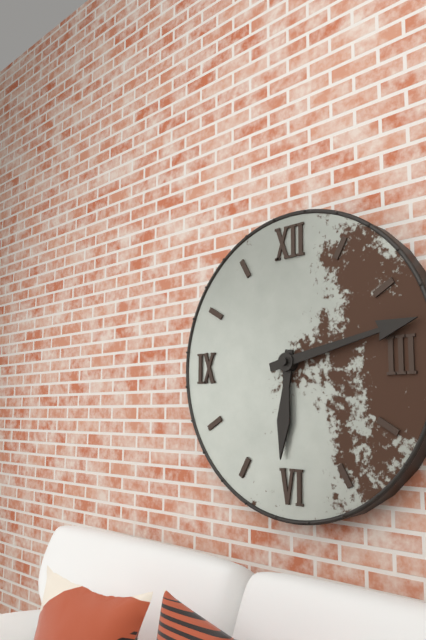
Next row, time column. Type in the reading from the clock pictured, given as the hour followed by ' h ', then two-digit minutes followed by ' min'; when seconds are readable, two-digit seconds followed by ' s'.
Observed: 6 h 13 min
